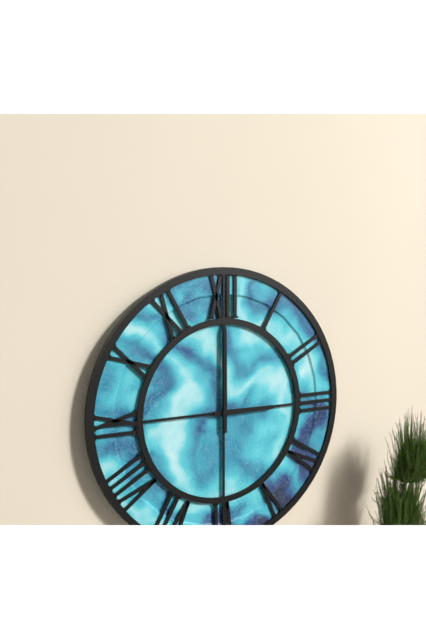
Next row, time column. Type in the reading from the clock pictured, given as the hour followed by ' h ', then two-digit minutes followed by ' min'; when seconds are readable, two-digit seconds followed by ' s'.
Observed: 3 h 00 min
